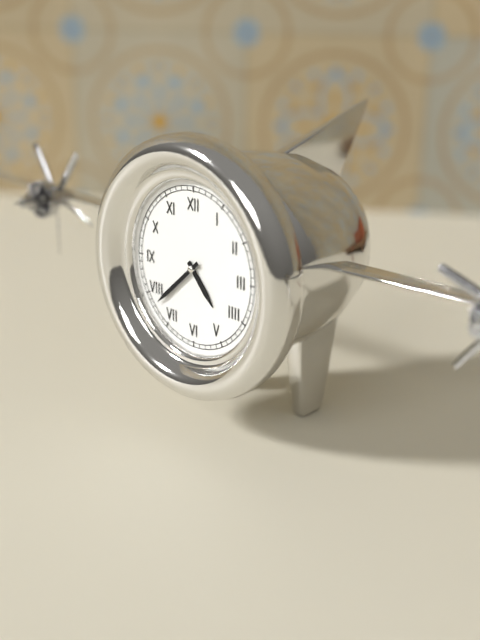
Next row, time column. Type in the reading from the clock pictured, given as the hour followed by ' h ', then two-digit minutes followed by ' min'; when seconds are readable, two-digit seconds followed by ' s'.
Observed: 4 h 38 min
